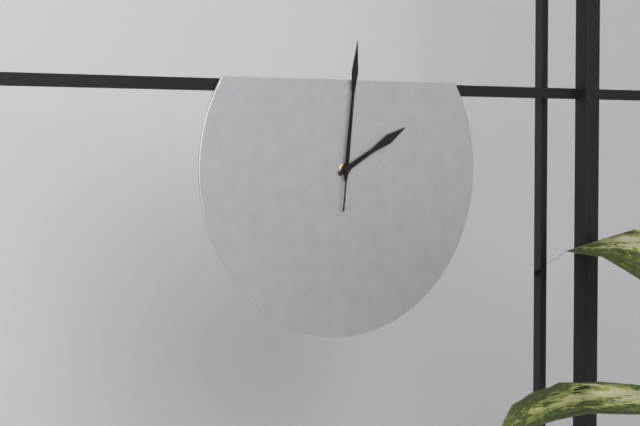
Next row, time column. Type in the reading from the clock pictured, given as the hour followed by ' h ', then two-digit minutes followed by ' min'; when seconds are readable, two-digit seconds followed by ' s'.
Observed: 2 h 01 min 01 s
